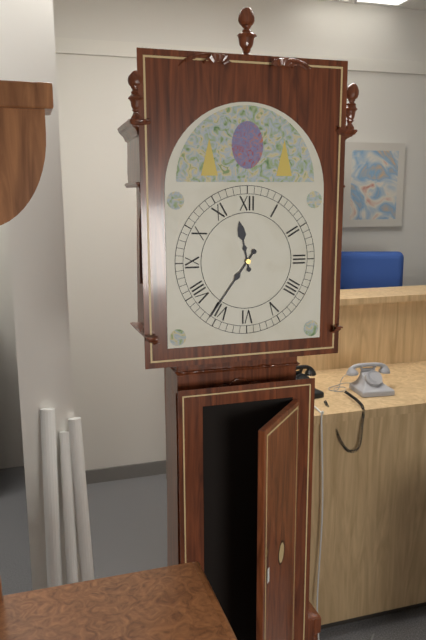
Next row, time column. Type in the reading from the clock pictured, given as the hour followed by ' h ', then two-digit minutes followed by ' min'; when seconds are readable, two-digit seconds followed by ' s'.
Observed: 11 h 36 min
